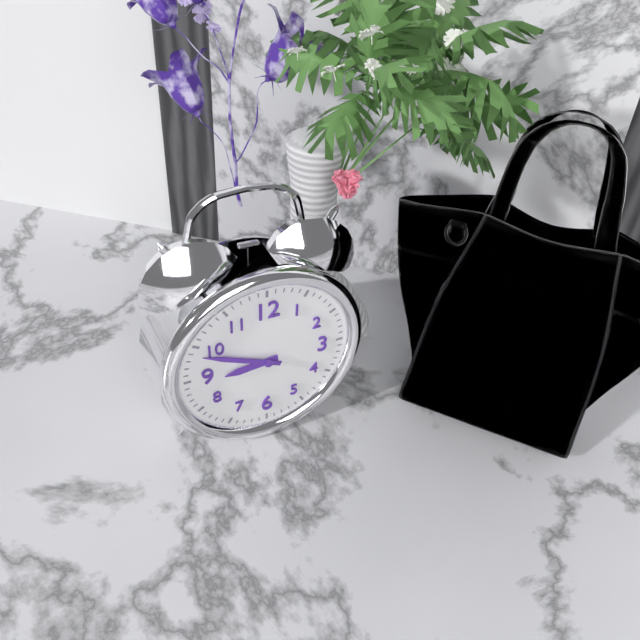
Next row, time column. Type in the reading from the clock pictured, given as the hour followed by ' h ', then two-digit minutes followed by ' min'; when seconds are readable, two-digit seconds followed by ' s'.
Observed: 8 h 49 min
